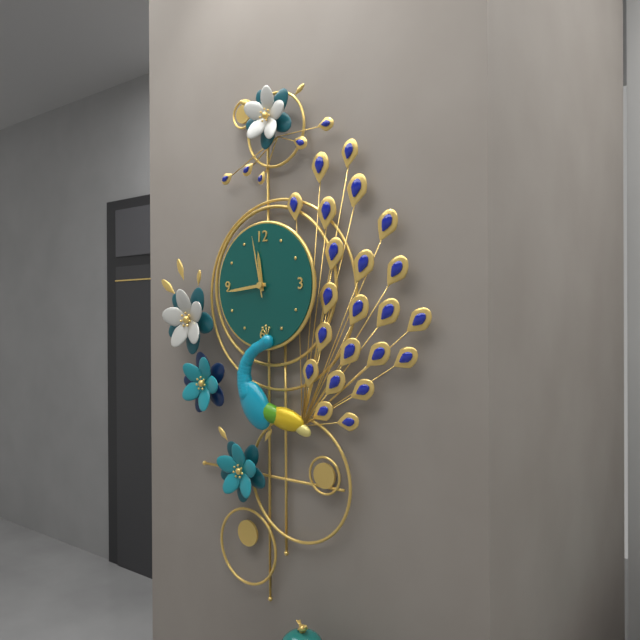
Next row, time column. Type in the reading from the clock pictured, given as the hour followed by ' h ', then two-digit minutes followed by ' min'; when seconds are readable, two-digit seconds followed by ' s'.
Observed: 11 h 44 min 58 s
